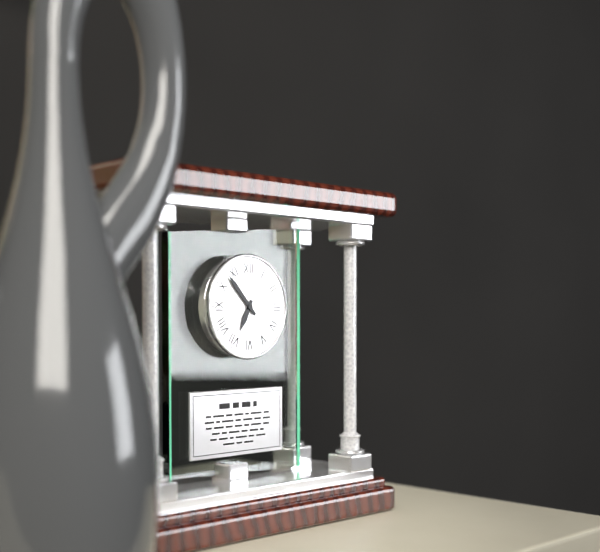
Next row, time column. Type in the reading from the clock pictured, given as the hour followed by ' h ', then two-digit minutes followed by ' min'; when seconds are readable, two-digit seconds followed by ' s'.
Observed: 6 h 53 min
